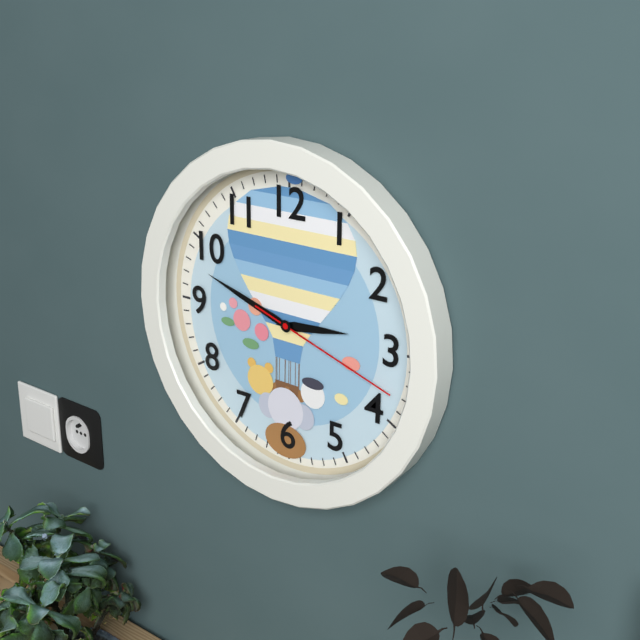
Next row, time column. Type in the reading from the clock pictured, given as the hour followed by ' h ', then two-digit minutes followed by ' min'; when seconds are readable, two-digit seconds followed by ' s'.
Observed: 2 h 48 min 18 s
